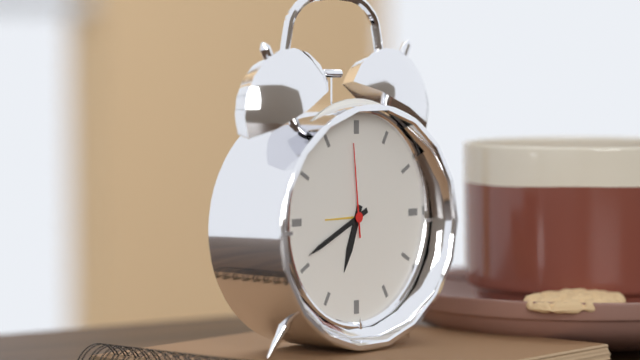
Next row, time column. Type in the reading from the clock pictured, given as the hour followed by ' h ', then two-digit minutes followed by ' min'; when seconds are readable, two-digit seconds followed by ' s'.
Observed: 6 h 41 min 59 s
